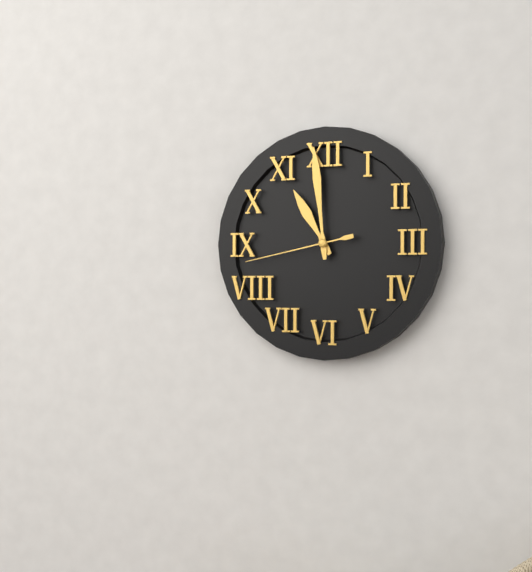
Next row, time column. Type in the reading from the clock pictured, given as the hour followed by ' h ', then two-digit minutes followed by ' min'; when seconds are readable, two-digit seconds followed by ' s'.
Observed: 10 h 59 min 43 s
